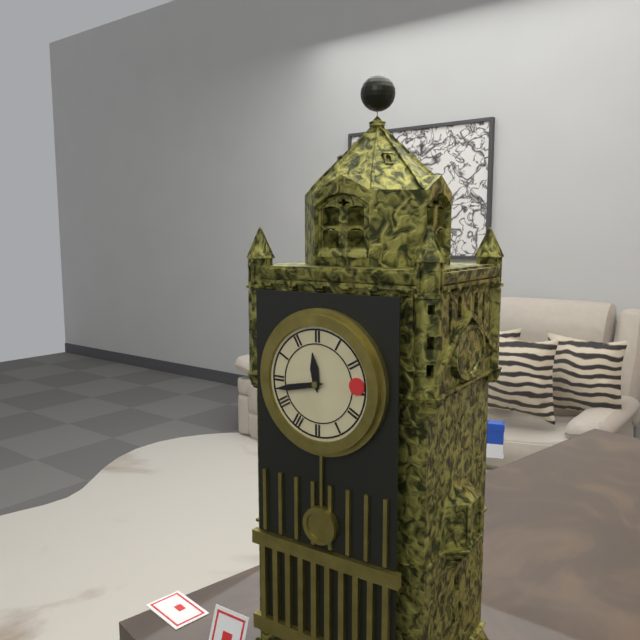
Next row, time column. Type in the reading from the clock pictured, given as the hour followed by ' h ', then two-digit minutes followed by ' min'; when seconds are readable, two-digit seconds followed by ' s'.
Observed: 11 h 43 min
